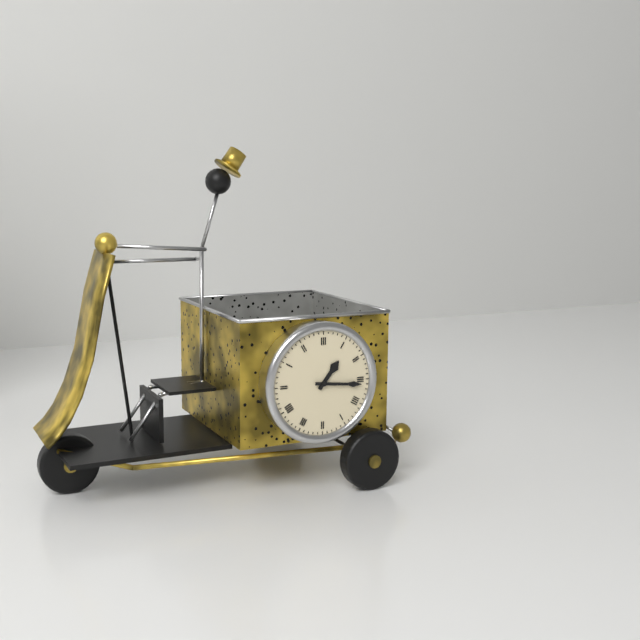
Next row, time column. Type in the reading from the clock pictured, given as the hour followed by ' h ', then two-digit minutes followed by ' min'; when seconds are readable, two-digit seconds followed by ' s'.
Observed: 1 h 16 min
